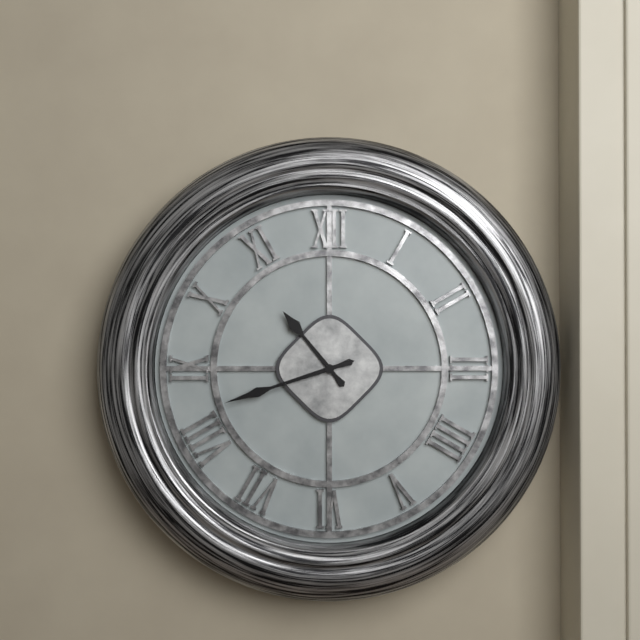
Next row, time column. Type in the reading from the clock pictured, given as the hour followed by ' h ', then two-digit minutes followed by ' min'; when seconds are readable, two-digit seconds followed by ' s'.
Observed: 10 h 42 min
